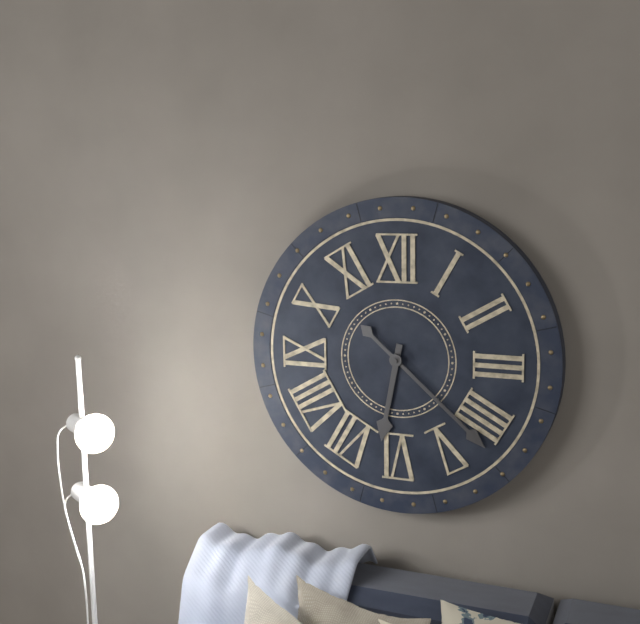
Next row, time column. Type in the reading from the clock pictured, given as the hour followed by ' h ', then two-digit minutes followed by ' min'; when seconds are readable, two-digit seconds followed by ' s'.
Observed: 6 h 22 min
